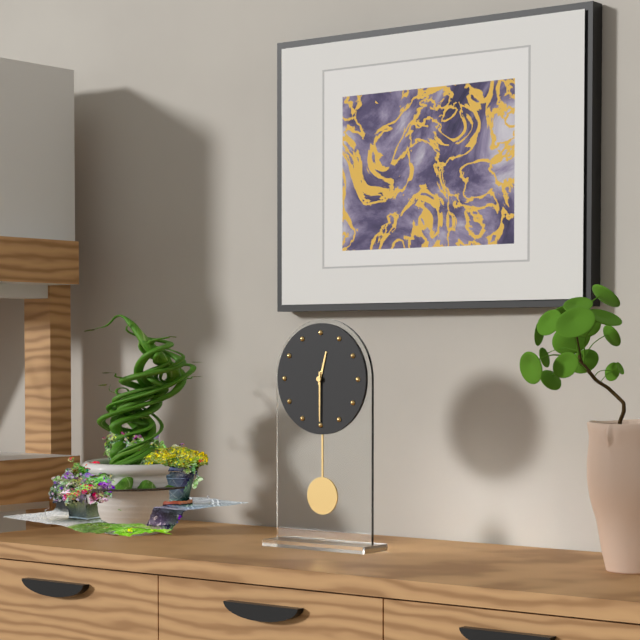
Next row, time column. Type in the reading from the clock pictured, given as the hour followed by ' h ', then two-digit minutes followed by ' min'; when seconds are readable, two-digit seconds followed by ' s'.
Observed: 12 h 30 min
